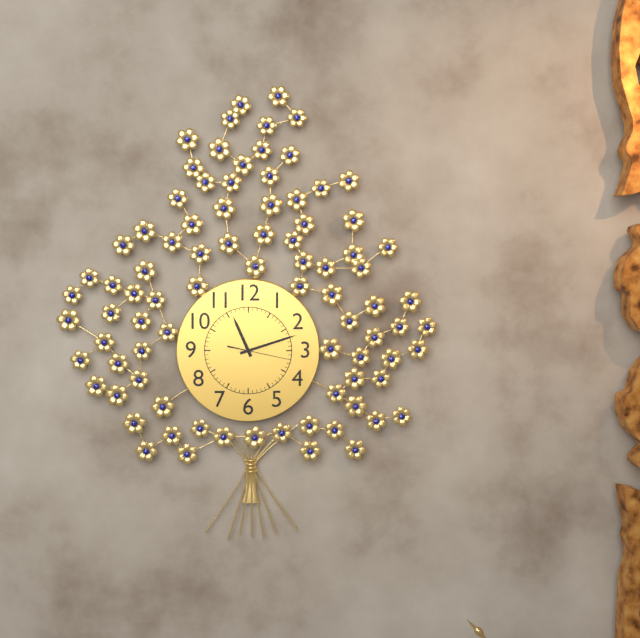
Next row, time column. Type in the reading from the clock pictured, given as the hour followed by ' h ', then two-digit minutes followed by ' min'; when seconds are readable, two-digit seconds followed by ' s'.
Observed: 11 h 12 min 17 s
